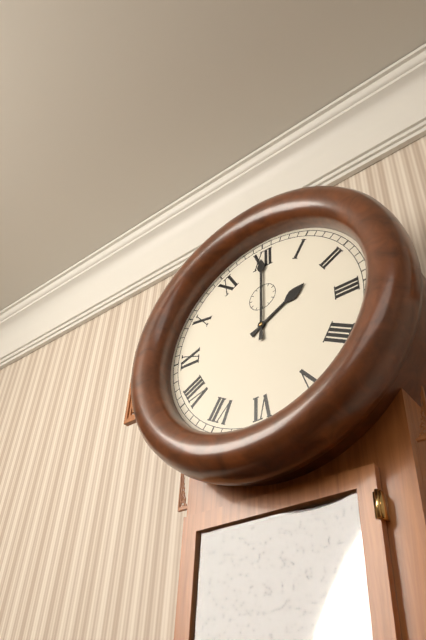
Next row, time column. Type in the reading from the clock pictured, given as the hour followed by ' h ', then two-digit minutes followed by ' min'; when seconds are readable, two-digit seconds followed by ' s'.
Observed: 2 h 00 min
